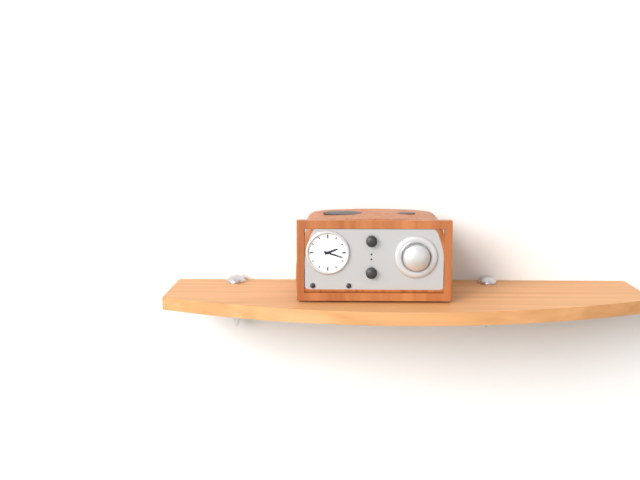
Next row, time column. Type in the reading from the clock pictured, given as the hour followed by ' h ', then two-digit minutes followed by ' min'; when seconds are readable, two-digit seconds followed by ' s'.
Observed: 2 h 18 min
